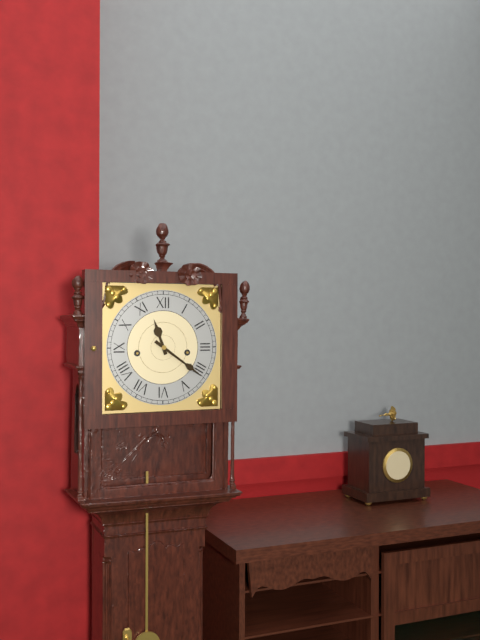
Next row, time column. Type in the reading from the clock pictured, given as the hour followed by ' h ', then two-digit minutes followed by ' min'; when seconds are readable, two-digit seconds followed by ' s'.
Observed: 11 h 21 min
